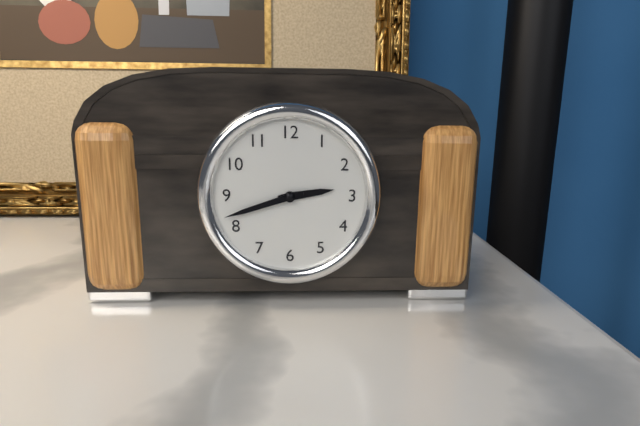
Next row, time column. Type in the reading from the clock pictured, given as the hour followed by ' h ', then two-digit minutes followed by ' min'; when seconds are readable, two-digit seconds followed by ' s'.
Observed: 2 h 42 min
